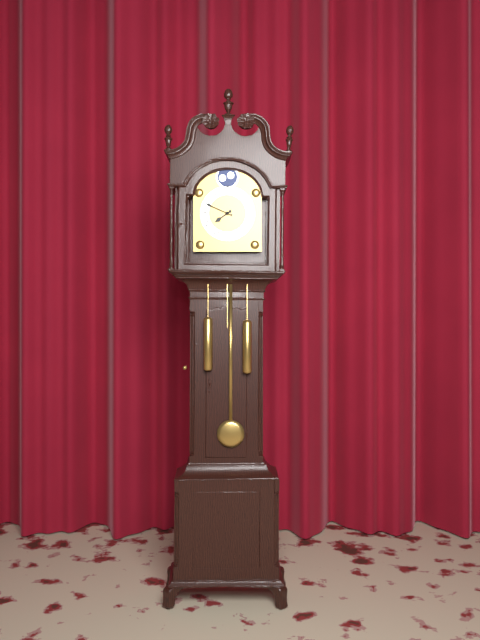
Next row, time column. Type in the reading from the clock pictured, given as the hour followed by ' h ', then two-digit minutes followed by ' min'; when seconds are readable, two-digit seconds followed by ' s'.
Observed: 7 h 49 min
